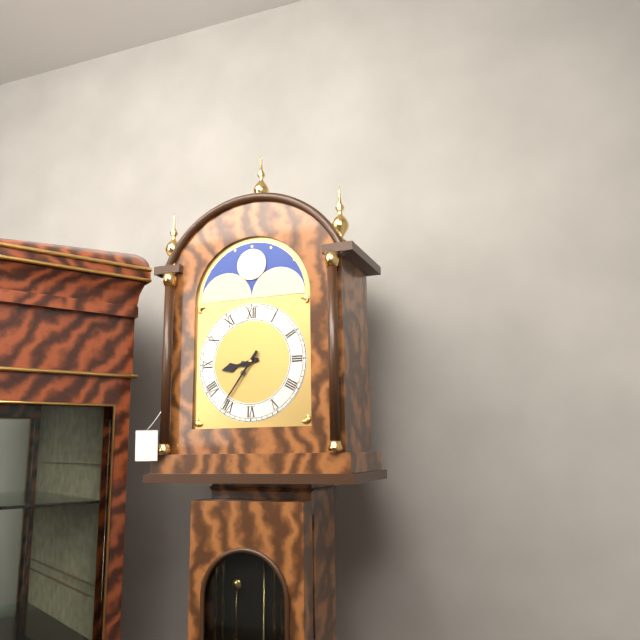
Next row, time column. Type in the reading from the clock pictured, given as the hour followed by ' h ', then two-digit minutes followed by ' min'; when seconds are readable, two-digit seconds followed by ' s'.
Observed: 8 h 36 min
